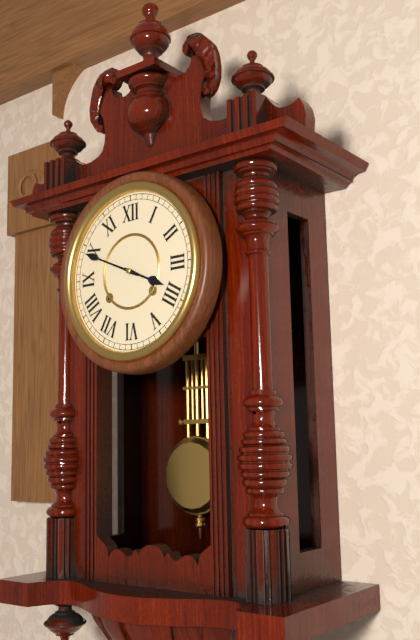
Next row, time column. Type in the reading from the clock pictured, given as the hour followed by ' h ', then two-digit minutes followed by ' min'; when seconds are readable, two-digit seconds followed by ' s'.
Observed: 3 h 49 min
